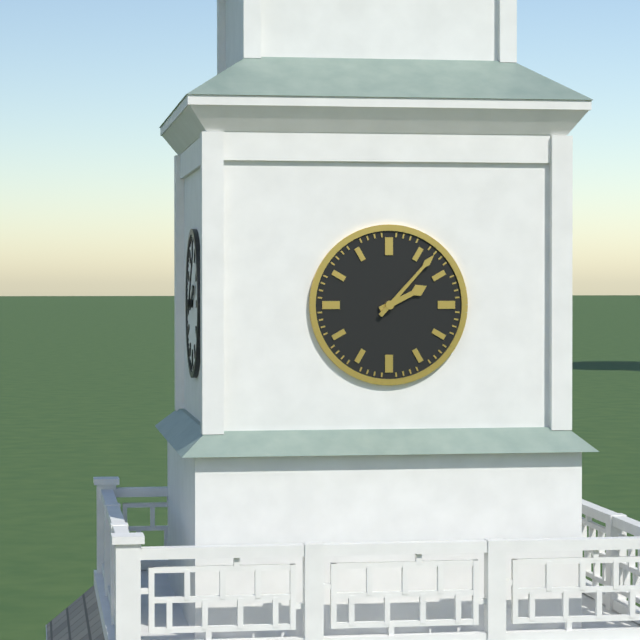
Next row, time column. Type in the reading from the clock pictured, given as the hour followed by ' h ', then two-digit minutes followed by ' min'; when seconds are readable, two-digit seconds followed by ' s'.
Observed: 2 h 07 min
